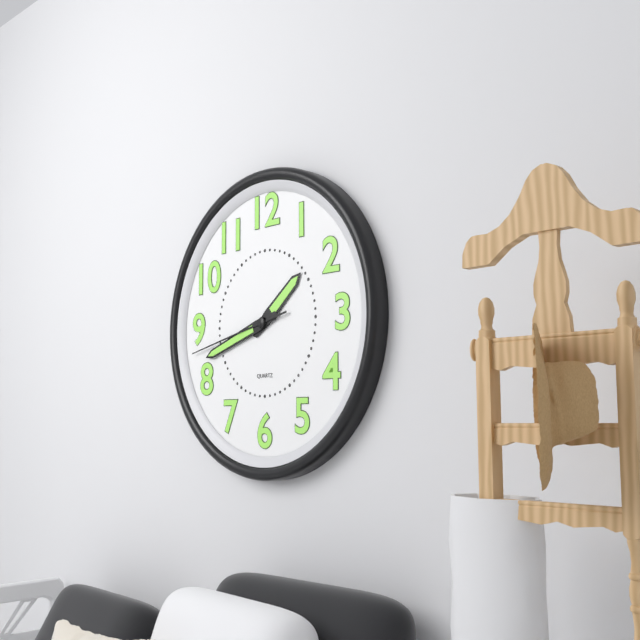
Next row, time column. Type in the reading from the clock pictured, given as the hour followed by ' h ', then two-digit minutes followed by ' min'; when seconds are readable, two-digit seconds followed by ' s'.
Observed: 1 h 42 min 43 s
